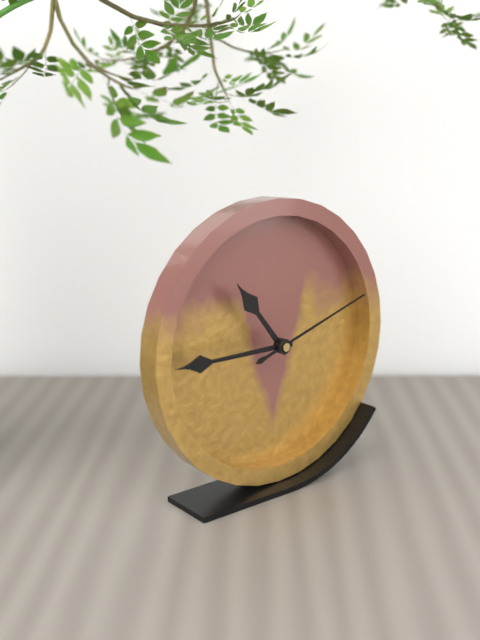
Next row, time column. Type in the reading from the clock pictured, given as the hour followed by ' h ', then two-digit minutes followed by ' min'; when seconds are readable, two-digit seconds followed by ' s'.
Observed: 10 h 45 min 12 s
